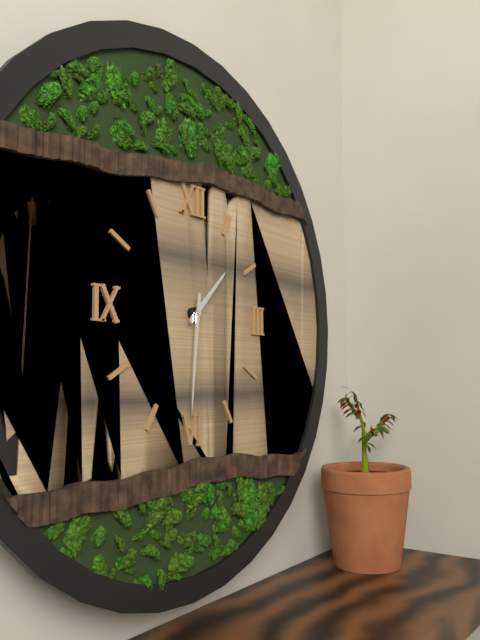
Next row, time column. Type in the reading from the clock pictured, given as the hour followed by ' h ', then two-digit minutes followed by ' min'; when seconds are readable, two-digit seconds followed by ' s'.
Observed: 1 h 31 min
